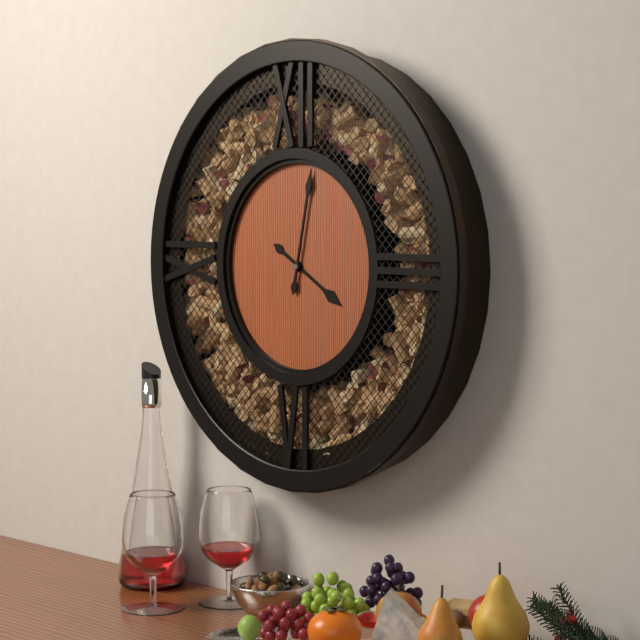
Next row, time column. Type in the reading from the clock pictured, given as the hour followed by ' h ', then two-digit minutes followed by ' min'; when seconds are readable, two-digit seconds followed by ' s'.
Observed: 4 h 02 min
